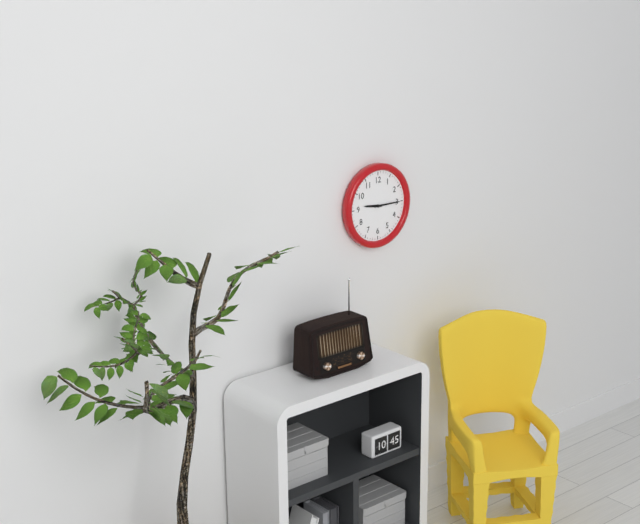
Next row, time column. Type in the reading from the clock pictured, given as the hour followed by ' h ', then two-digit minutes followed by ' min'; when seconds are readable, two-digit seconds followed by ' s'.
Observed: 9 h 15 min
